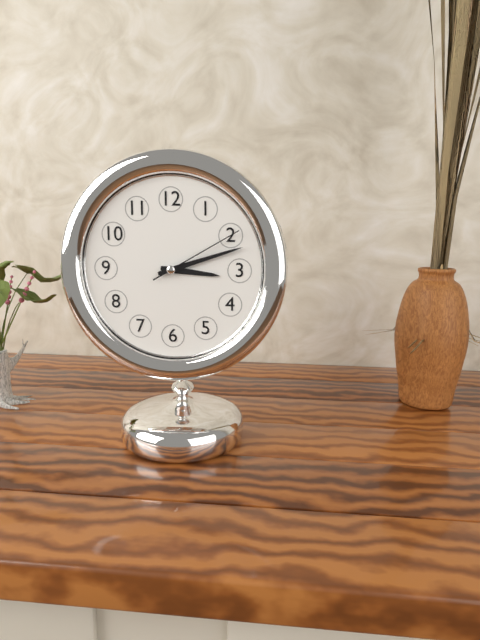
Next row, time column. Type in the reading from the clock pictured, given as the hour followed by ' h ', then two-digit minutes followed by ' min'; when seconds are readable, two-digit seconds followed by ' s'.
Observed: 3 h 12 min 10 s
